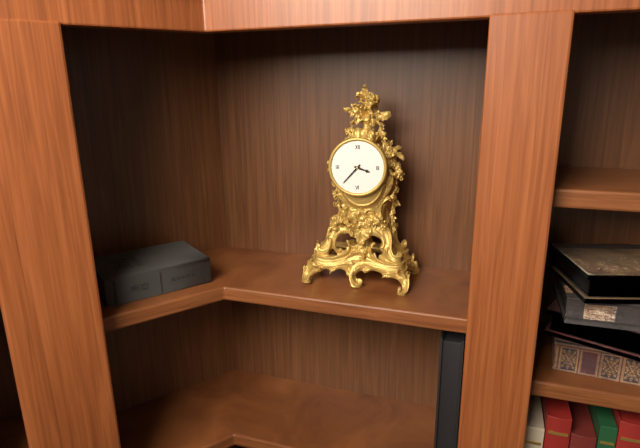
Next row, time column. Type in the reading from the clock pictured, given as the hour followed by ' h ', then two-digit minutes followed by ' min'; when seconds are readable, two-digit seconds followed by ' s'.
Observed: 3 h 37 min
